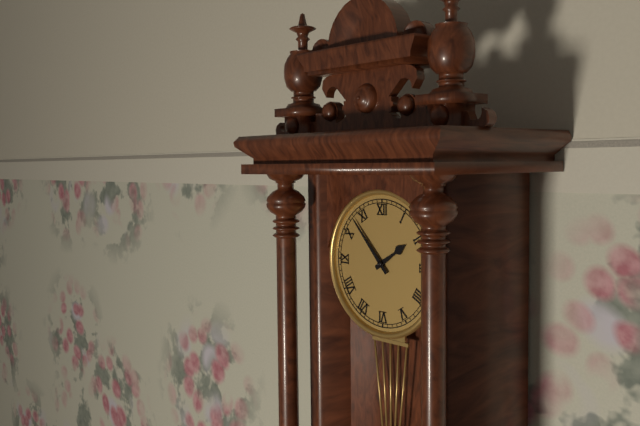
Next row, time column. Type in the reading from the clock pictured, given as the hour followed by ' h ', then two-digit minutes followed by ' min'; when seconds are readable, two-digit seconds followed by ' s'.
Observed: 1 h 53 min
